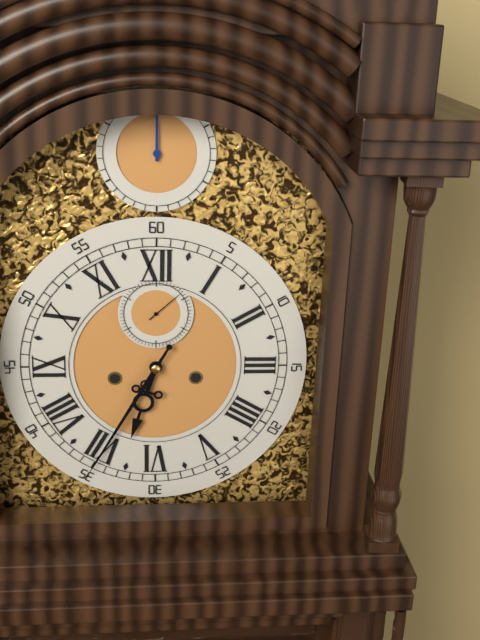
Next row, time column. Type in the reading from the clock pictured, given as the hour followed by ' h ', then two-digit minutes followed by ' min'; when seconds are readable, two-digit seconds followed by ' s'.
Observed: 6 h 35 min
